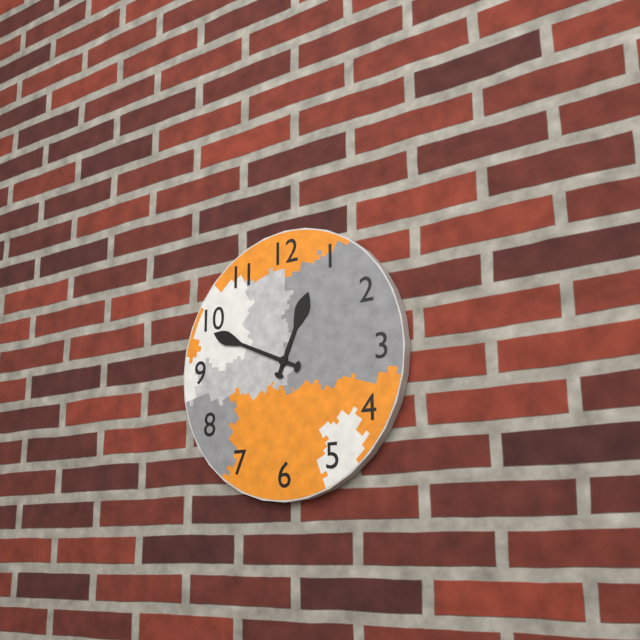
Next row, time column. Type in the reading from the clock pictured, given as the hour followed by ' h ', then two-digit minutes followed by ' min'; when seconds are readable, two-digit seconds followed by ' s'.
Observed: 12 h 49 min
